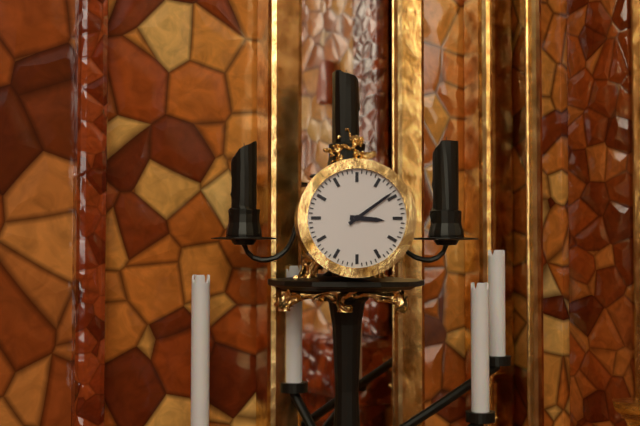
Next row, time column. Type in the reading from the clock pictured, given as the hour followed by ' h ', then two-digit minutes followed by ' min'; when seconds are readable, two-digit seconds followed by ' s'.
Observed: 3 h 09 min
